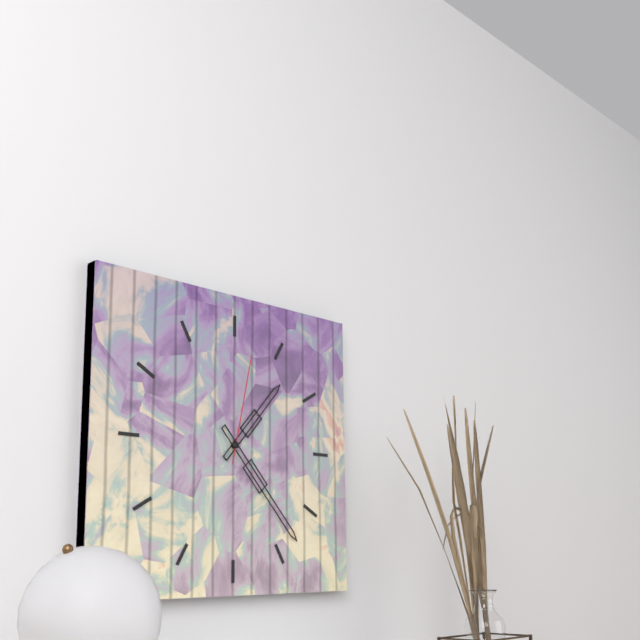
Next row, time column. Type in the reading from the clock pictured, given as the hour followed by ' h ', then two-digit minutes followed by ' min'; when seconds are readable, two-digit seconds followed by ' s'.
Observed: 1 h 23 min 02 s
